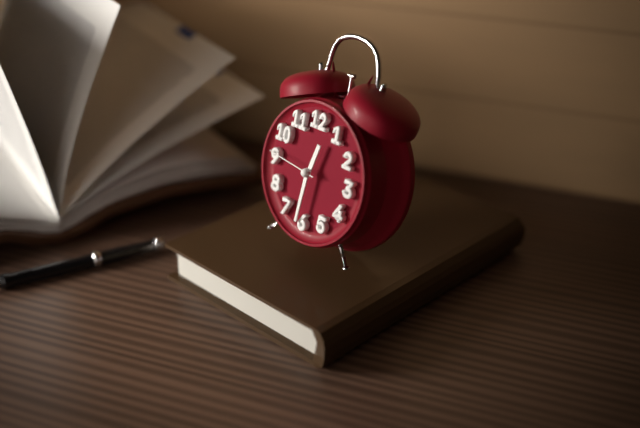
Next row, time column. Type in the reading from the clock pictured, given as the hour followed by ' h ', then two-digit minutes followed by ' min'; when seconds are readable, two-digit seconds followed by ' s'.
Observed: 12 h 31 min 46 s
